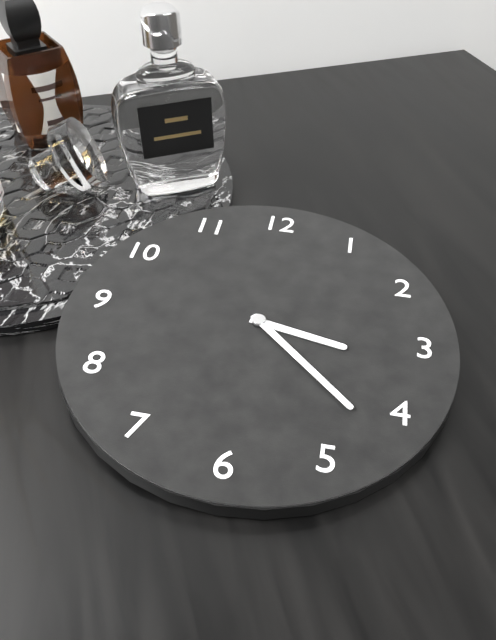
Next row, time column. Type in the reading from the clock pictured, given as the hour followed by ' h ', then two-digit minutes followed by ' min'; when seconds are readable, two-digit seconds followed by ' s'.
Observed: 3 h 22 min
